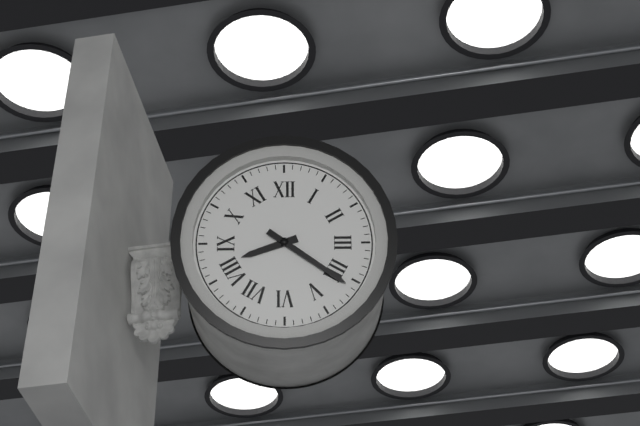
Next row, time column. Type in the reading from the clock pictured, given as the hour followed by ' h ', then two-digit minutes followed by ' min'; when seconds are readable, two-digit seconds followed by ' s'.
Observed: 8 h 21 min
